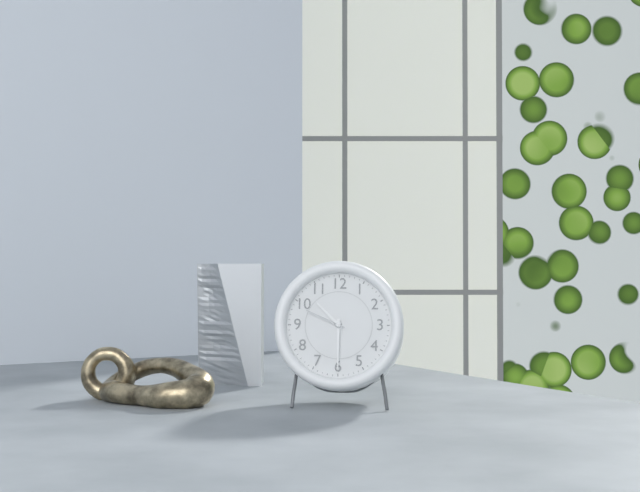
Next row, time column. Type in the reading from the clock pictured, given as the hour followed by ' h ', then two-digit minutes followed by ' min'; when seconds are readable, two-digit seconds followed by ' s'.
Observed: 10 h 30 min
